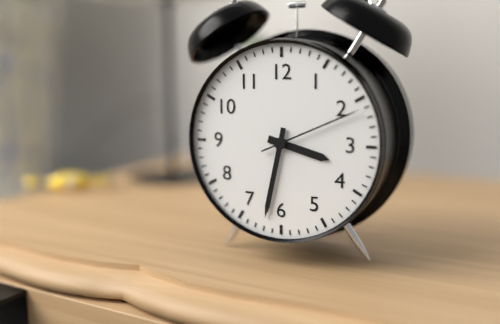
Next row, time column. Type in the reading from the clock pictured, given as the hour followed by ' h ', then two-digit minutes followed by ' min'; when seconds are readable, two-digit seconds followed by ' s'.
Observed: 3 h 32 min 11 s
